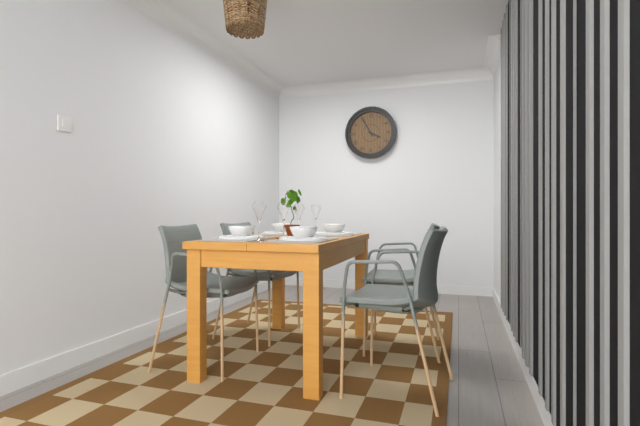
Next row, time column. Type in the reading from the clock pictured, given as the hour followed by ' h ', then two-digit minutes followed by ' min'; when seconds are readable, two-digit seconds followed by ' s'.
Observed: 3 h 55 min
